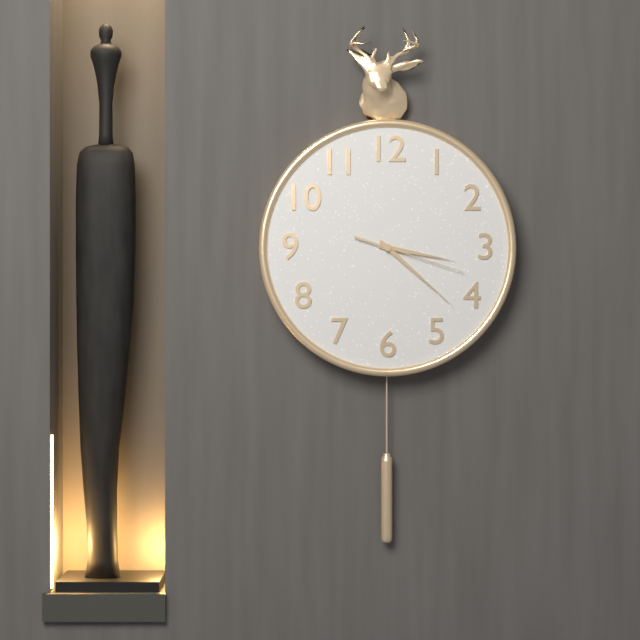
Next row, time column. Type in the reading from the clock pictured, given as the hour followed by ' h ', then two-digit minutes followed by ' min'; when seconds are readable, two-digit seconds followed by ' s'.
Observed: 3 h 22 min 18 s
